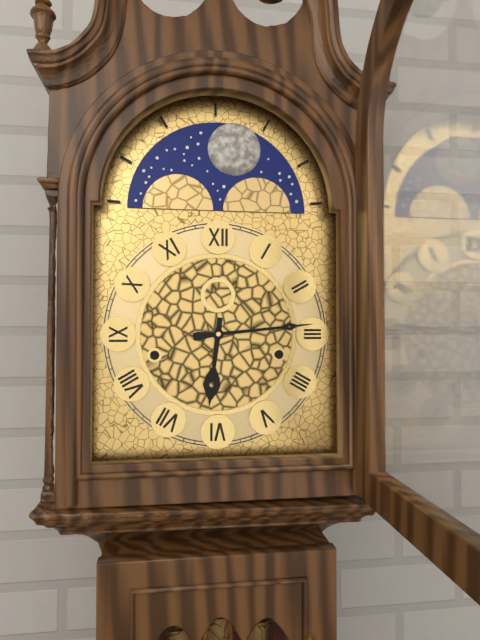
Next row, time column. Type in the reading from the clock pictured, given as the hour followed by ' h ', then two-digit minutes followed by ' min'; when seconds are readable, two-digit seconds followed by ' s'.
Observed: 6 h 14 min
